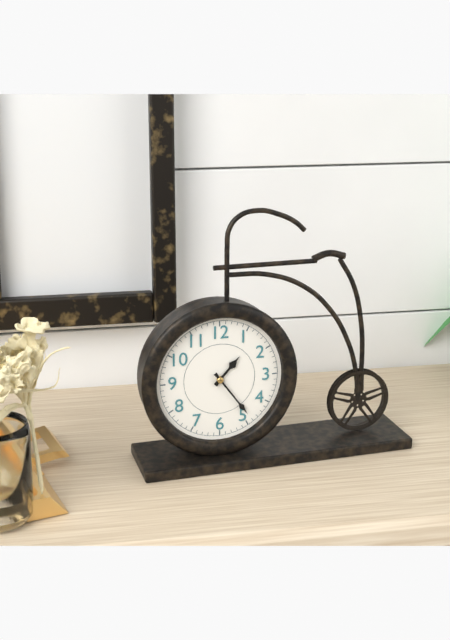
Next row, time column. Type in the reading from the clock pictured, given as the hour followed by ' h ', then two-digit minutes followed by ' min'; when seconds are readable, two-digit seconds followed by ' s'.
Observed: 1 h 24 min
